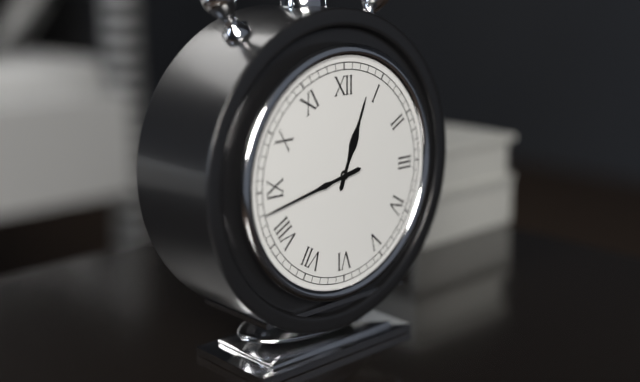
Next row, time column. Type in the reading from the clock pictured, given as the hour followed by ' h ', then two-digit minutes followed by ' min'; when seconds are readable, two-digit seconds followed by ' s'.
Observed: 12 h 43 min
